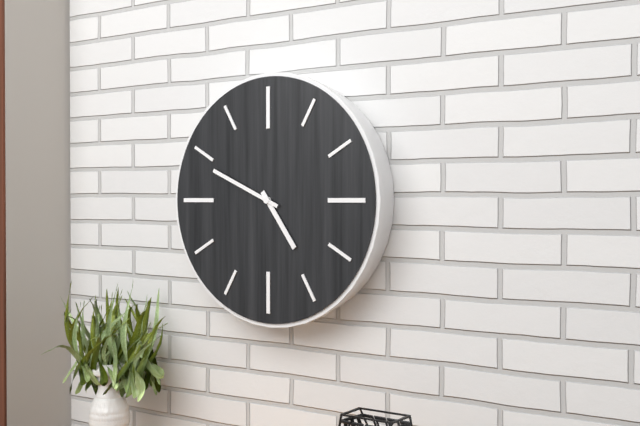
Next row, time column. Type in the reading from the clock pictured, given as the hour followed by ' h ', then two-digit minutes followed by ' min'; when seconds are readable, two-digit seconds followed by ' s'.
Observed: 4 h 49 min
